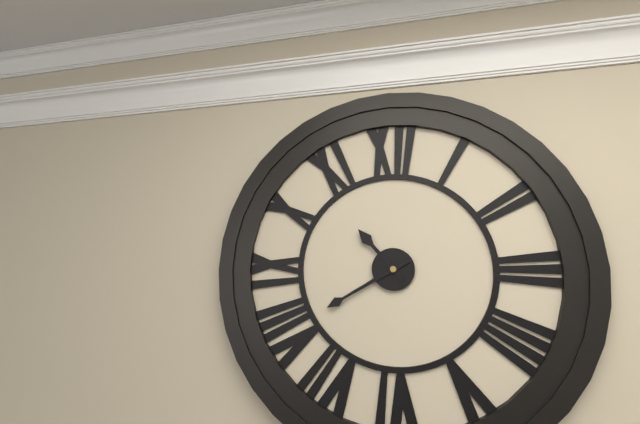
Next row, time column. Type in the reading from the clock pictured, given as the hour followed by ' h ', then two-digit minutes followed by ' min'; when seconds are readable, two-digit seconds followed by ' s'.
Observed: 10 h 40 min
